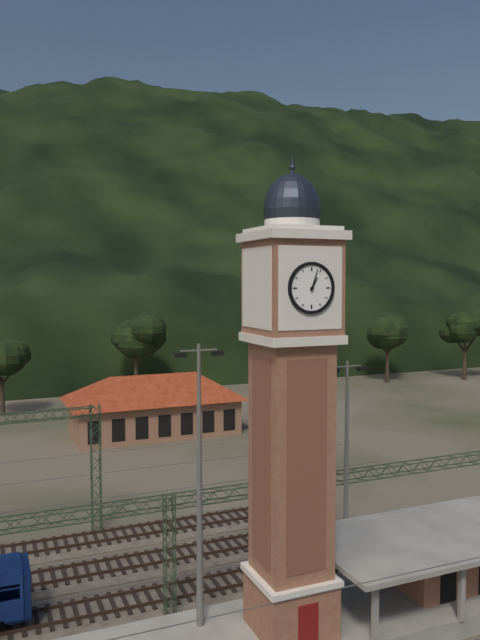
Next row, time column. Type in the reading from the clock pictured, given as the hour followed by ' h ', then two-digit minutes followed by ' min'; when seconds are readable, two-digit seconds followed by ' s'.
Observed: 1 h 03 min
